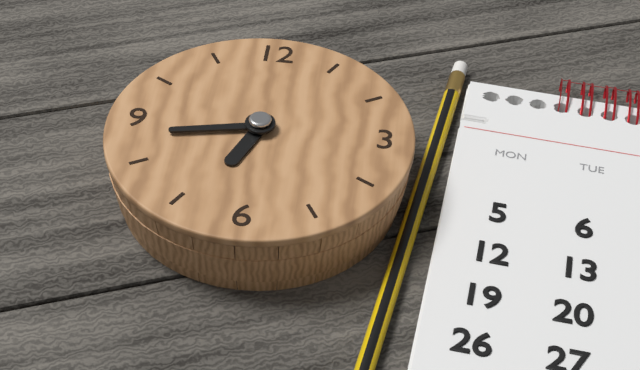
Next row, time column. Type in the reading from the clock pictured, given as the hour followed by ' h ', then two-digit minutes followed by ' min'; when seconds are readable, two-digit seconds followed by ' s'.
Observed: 6 h 43 min
